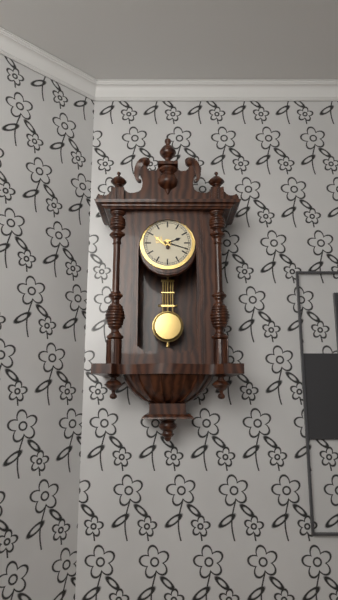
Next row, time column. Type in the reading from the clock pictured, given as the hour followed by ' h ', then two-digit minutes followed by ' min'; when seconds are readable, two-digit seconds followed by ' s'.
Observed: 2 h 18 min
